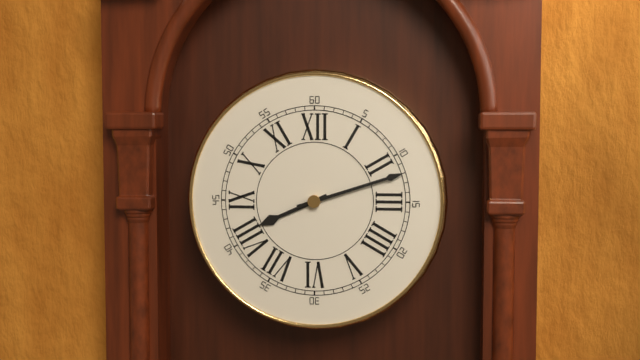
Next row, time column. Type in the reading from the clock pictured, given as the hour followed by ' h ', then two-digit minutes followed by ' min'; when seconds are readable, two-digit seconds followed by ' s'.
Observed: 8 h 12 min
